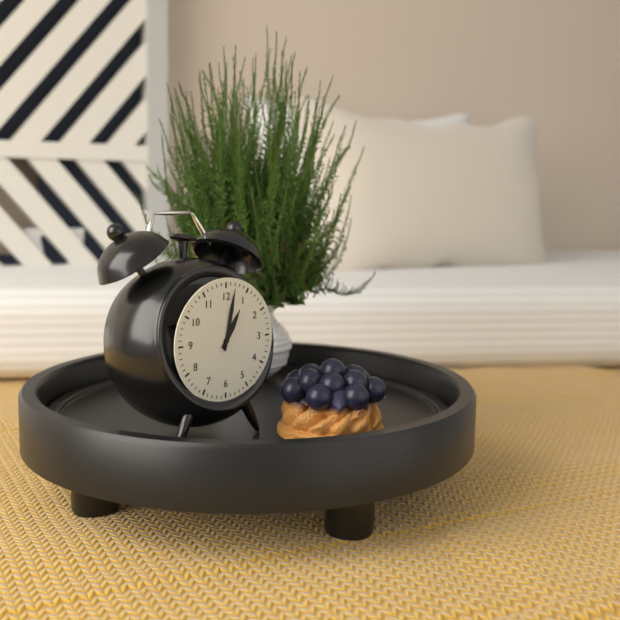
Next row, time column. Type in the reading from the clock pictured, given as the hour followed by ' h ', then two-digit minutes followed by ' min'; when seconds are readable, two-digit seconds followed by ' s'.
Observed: 1 h 02 min
